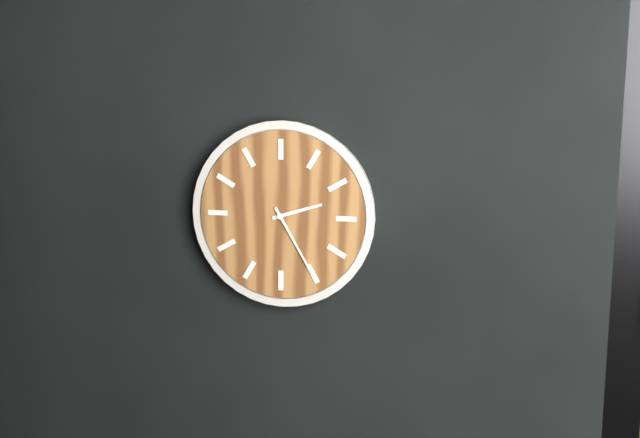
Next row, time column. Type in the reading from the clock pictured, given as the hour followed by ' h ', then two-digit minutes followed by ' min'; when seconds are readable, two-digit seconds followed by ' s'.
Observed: 2 h 25 min
